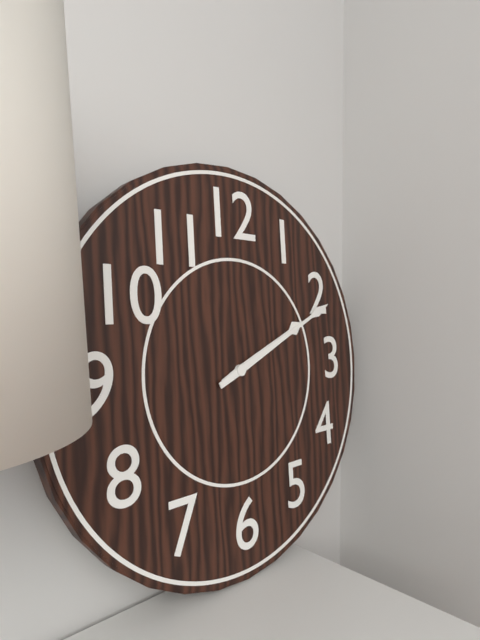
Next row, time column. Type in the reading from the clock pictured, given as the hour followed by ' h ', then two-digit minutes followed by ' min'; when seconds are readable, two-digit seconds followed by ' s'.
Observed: 2 h 11 min
